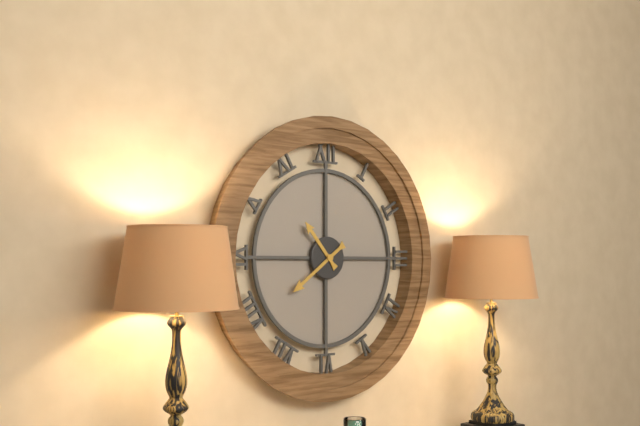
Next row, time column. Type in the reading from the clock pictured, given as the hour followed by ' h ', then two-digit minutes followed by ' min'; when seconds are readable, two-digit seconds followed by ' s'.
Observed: 10 h 39 min
